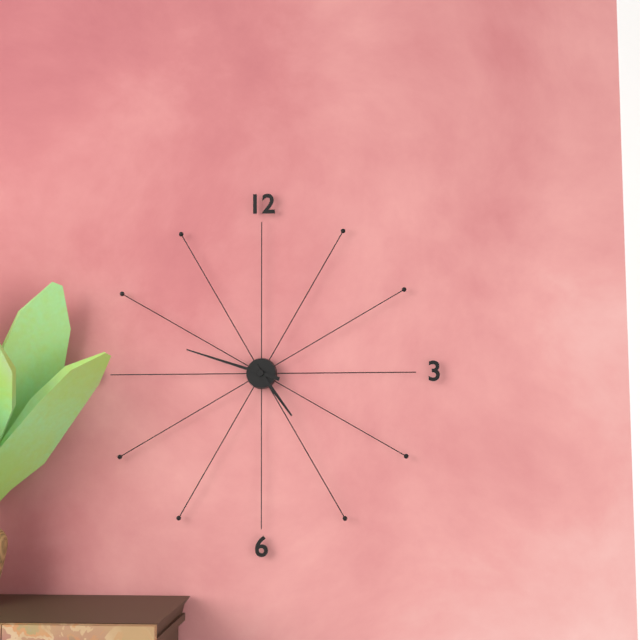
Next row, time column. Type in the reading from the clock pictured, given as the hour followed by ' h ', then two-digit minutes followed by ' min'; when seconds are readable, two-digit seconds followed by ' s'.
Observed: 4 h 48 min
